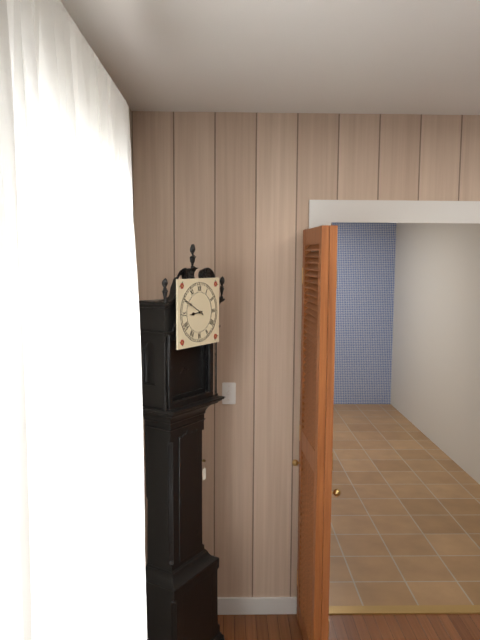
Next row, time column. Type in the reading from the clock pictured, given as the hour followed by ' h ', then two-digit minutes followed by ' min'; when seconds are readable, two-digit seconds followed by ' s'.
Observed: 8 h 50 min
